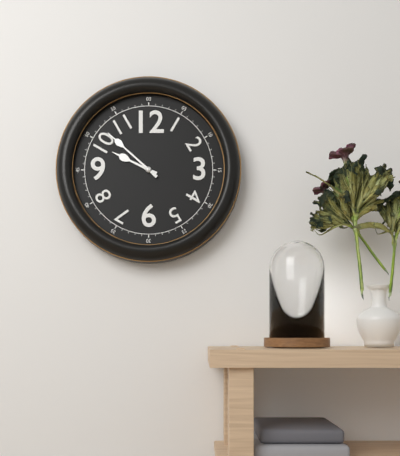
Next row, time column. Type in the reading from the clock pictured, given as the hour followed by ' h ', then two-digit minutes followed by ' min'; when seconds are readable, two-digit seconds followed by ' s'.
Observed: 9 h 52 min
